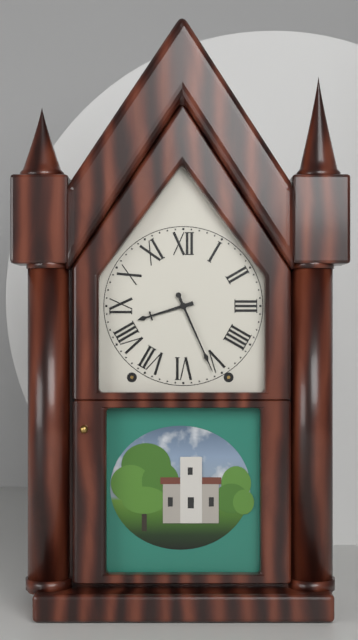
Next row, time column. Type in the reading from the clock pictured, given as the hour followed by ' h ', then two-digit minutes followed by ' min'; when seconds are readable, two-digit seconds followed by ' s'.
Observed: 8 h 26 min
